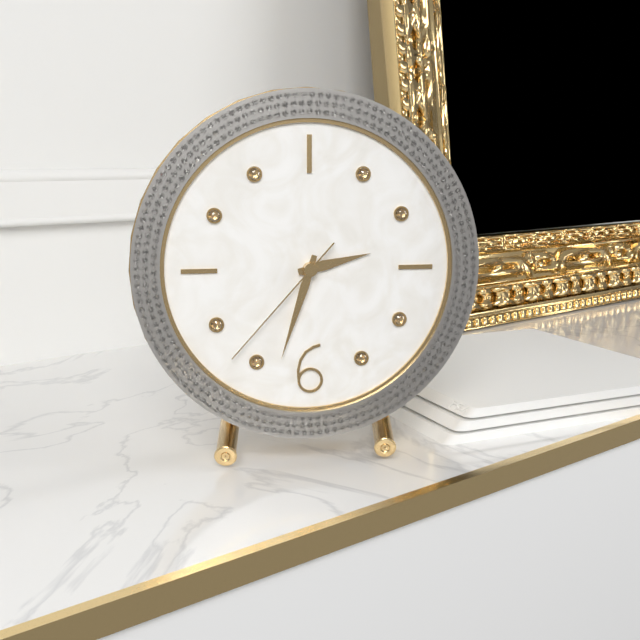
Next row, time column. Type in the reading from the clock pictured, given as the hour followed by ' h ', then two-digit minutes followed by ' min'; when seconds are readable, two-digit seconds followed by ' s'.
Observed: 2 h 33 min 37 s
